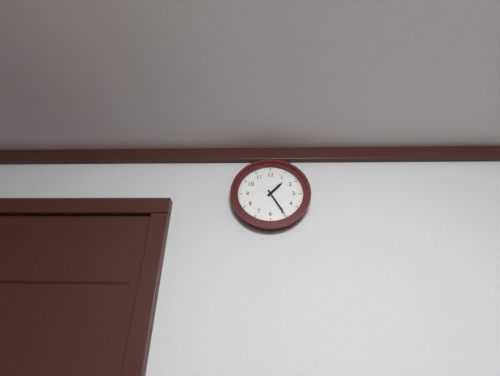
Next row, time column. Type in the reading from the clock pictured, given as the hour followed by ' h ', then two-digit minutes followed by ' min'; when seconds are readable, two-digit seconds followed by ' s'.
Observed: 1 h 25 min
